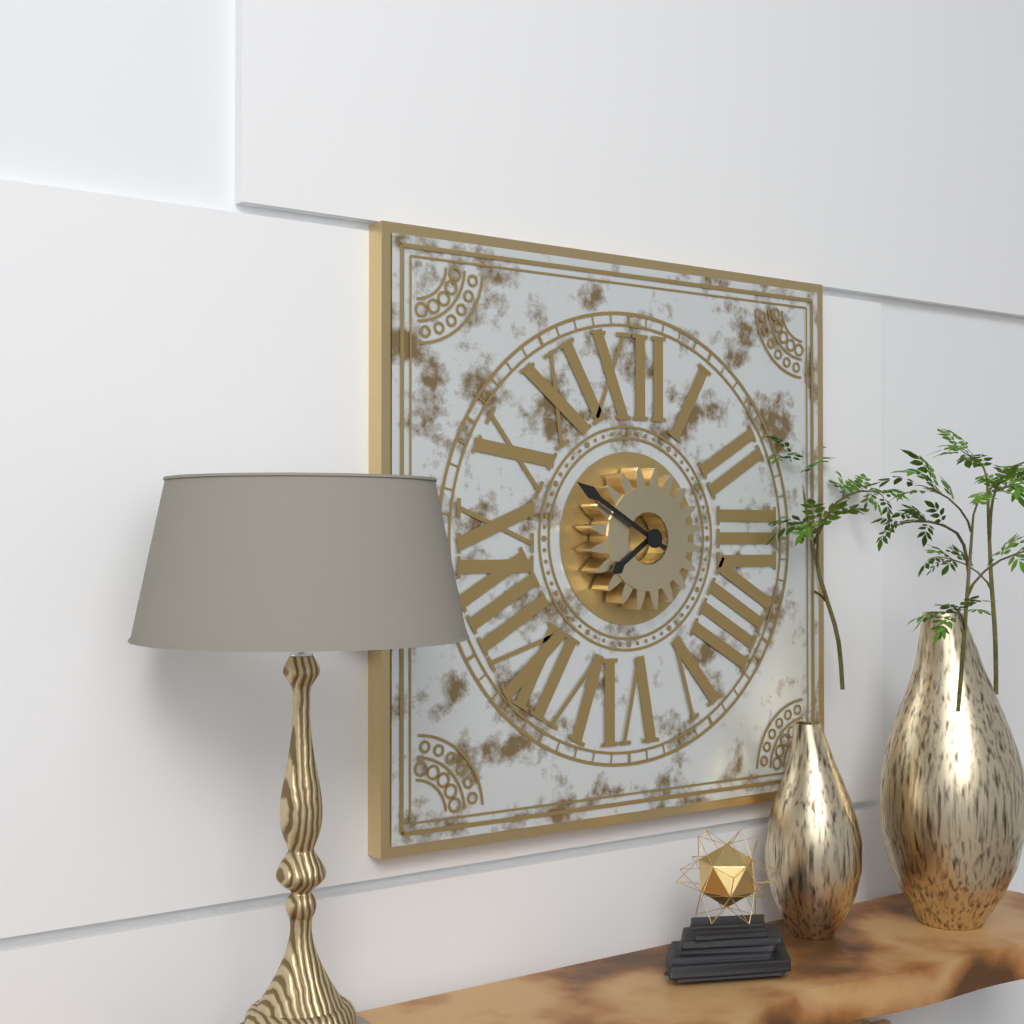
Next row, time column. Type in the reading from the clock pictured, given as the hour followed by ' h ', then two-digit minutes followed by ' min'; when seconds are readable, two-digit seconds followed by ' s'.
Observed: 7 h 50 min
